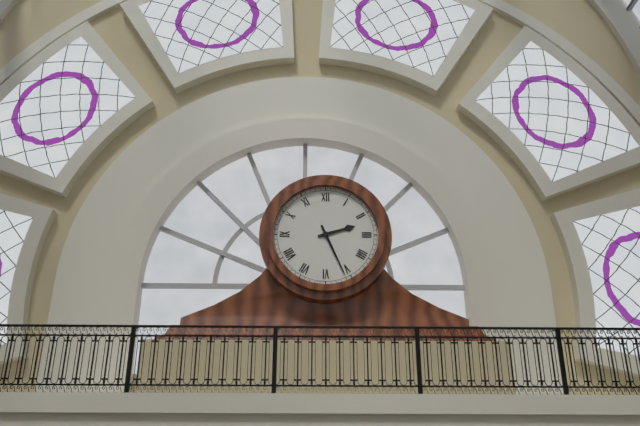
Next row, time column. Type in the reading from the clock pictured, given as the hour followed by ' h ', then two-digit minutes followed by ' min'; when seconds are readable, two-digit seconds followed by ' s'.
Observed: 2 h 26 min
